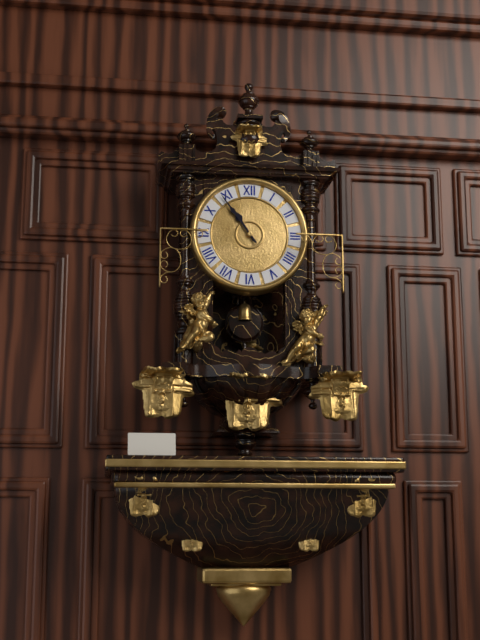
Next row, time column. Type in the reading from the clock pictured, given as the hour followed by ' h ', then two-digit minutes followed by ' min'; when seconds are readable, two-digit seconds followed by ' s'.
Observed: 10 h 54 min
